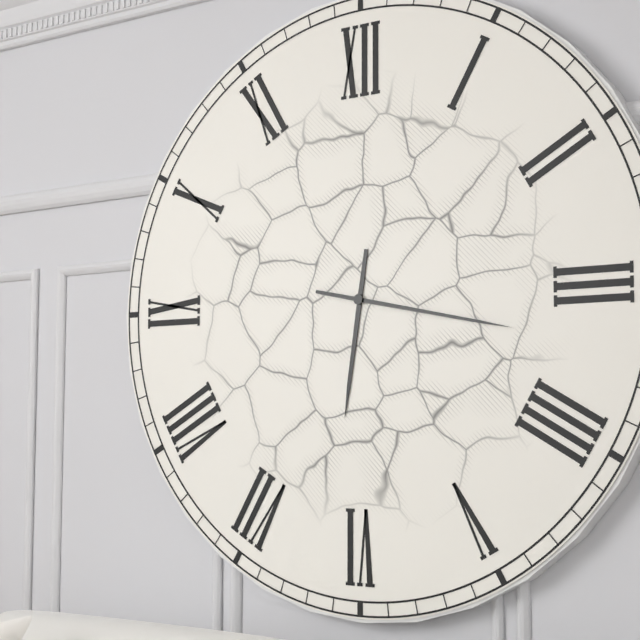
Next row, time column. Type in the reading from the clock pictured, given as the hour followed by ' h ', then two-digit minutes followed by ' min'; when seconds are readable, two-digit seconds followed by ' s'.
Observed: 6 h 17 min
